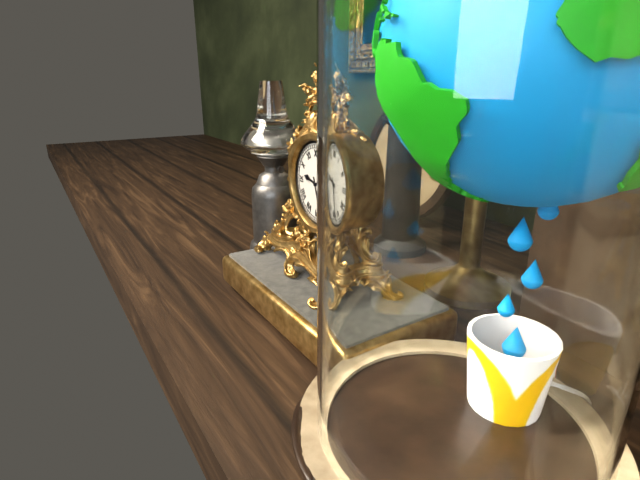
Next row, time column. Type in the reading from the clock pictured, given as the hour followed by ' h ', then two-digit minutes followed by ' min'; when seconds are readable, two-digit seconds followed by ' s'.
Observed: 9 h 27 min
